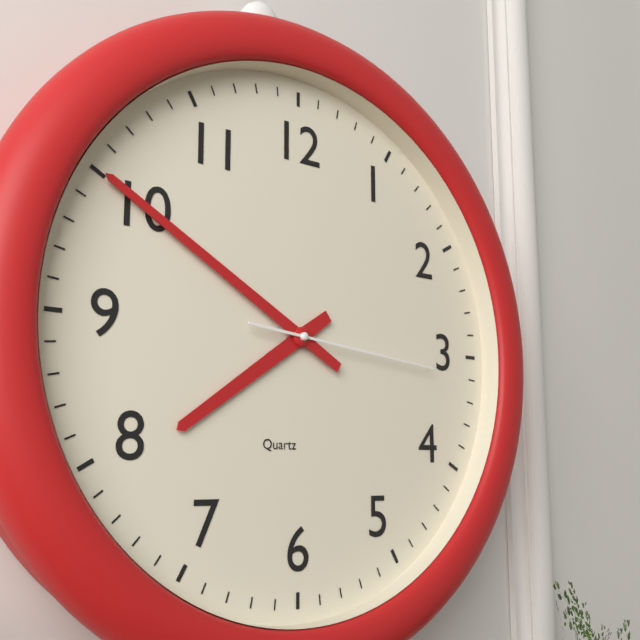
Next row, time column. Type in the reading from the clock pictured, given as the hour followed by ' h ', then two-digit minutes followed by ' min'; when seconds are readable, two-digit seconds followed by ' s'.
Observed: 7 h 50 min 16 s
